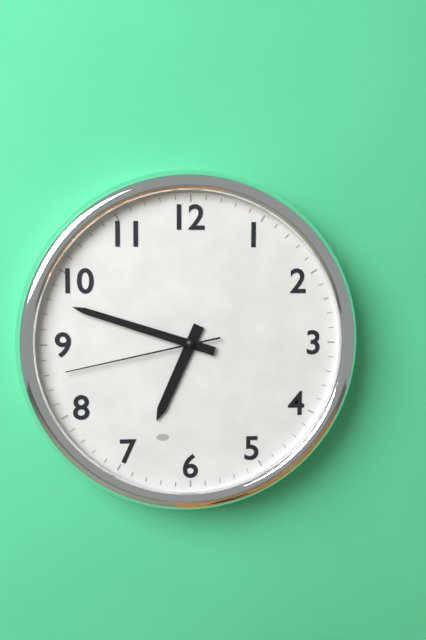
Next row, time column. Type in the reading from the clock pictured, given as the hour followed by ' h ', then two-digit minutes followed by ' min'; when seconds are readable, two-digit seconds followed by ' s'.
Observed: 6 h 48 min 43 s
